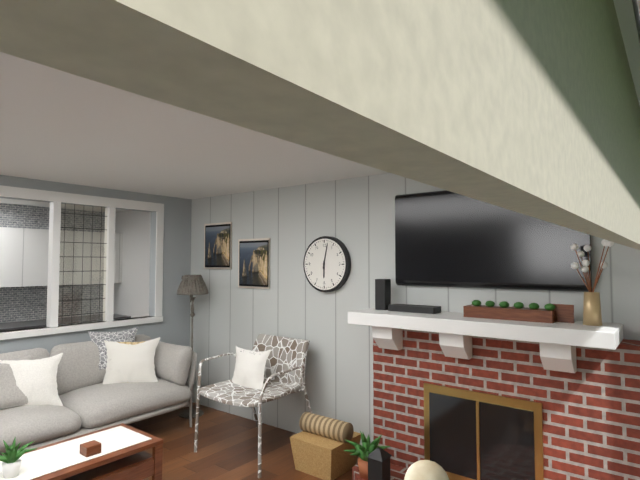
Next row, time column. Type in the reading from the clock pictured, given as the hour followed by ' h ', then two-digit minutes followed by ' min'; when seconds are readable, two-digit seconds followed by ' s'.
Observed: 6 h 02 min
